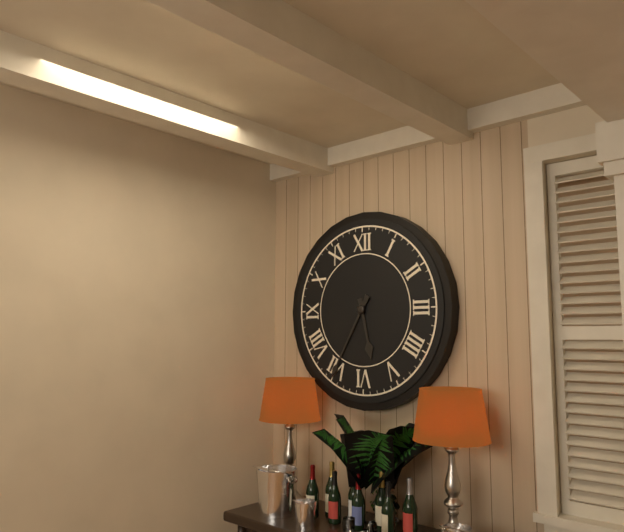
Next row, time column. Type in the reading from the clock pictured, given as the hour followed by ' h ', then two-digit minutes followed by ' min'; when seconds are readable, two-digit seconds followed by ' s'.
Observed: 5 h 35 min
